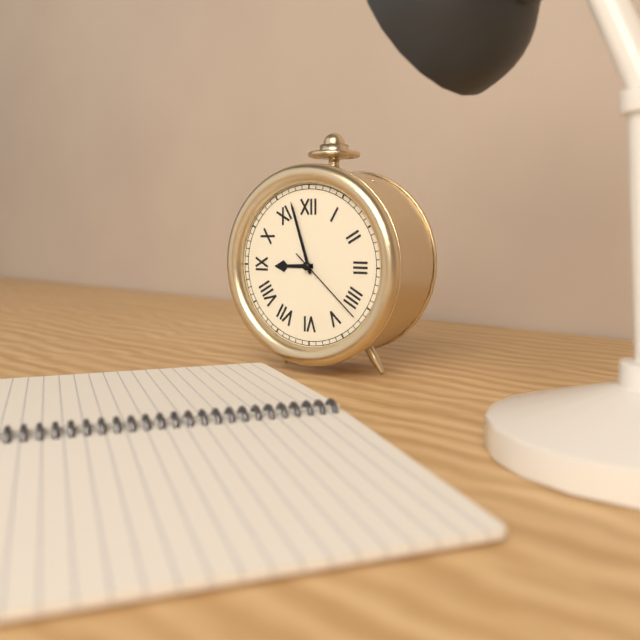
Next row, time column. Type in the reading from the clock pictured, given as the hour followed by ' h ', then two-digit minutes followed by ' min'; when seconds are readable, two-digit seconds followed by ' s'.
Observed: 8 h 57 min 22 s
